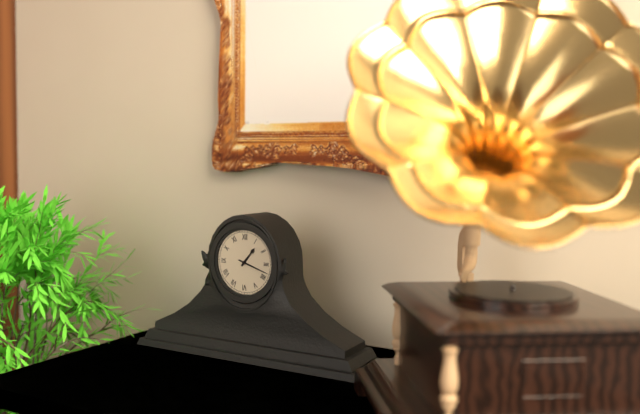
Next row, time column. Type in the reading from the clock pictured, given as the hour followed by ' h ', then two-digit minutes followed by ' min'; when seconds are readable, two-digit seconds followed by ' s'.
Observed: 1 h 18 min
